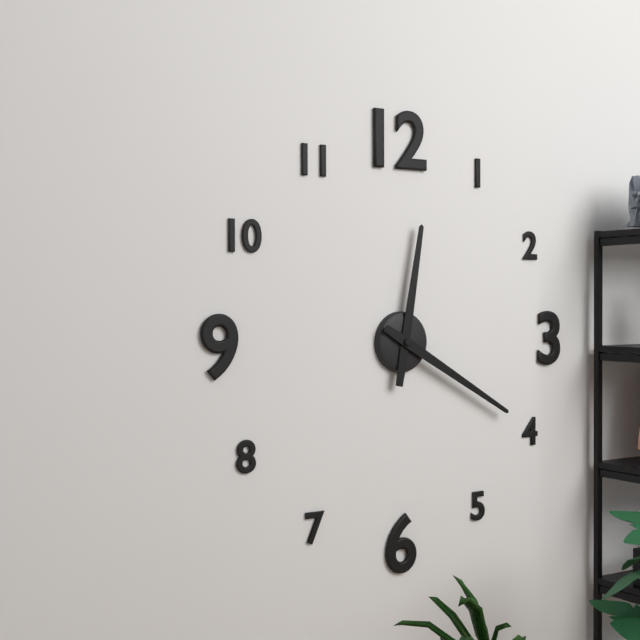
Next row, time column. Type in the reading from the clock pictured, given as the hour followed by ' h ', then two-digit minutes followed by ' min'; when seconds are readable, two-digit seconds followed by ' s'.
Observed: 12 h 20 min
